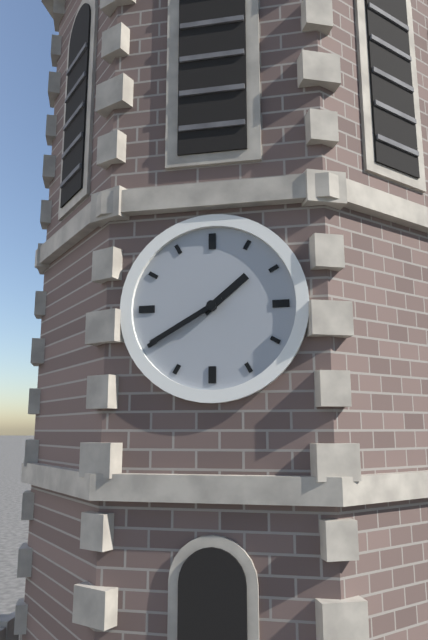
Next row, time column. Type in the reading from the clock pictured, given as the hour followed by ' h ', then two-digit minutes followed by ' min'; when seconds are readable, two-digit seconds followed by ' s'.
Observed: 1 h 40 min
